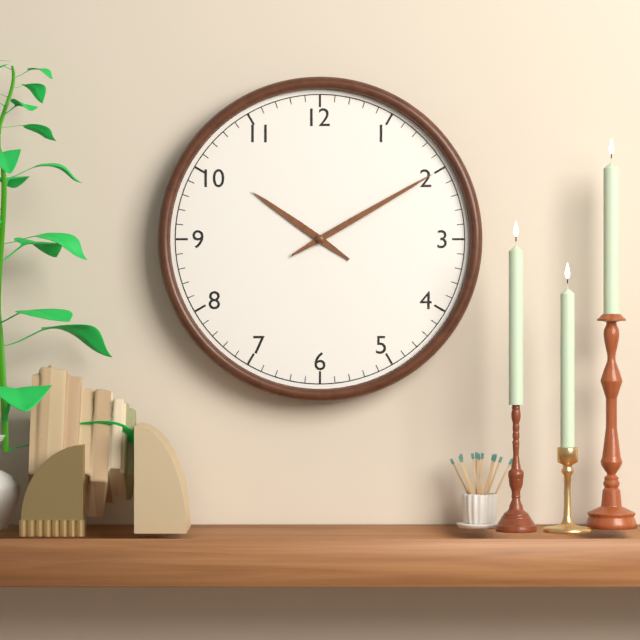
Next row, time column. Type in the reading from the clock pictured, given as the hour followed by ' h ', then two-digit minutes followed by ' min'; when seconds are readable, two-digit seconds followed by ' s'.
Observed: 10 h 10 min
